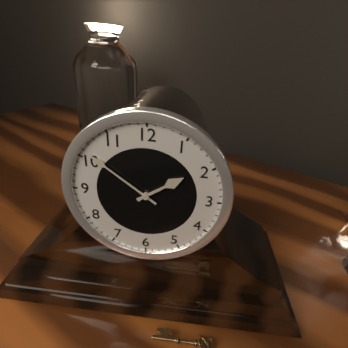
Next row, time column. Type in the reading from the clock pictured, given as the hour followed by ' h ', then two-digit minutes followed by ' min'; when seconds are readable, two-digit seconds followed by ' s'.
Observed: 1 h 51 min
